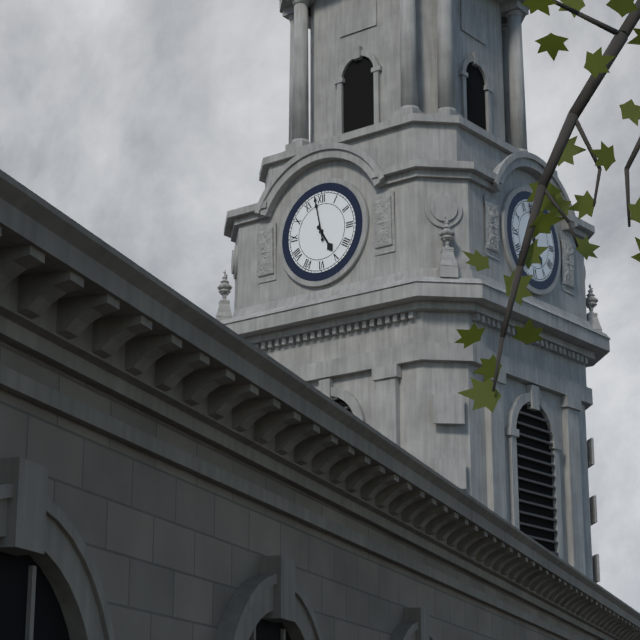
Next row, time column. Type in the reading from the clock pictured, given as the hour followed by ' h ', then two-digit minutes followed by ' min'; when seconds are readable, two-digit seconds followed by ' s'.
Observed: 4 h 58 min
